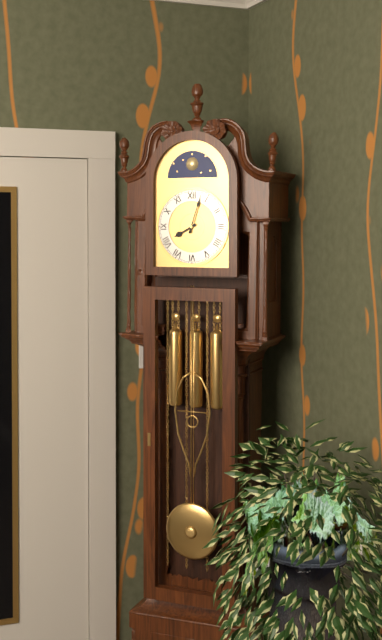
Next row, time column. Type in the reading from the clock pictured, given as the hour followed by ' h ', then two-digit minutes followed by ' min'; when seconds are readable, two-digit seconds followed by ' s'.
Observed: 8 h 03 min
